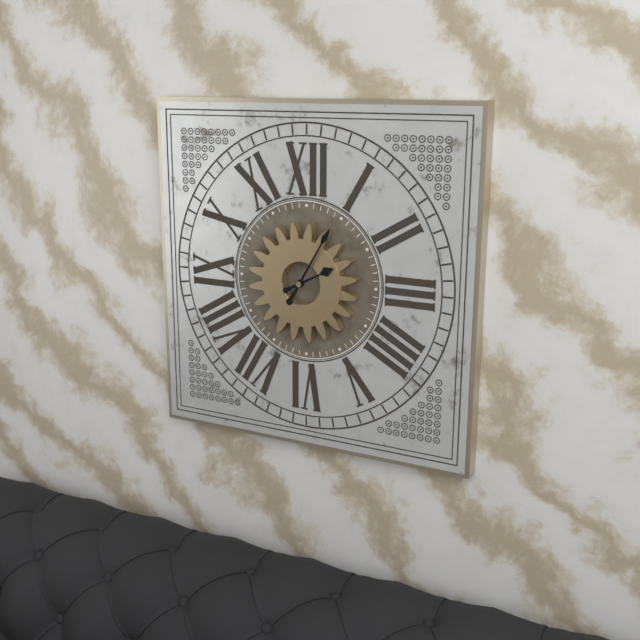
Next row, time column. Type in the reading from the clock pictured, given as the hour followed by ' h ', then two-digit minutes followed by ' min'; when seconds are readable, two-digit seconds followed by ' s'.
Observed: 2 h 05 min
